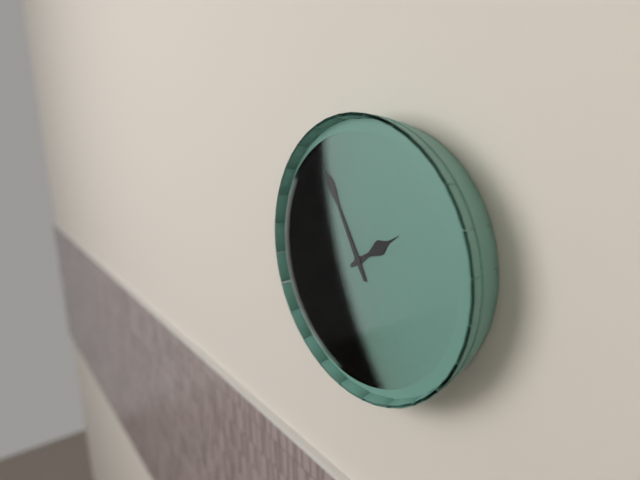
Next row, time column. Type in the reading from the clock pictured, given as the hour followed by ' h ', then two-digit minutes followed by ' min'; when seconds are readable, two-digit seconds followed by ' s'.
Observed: 1 h 55 min
